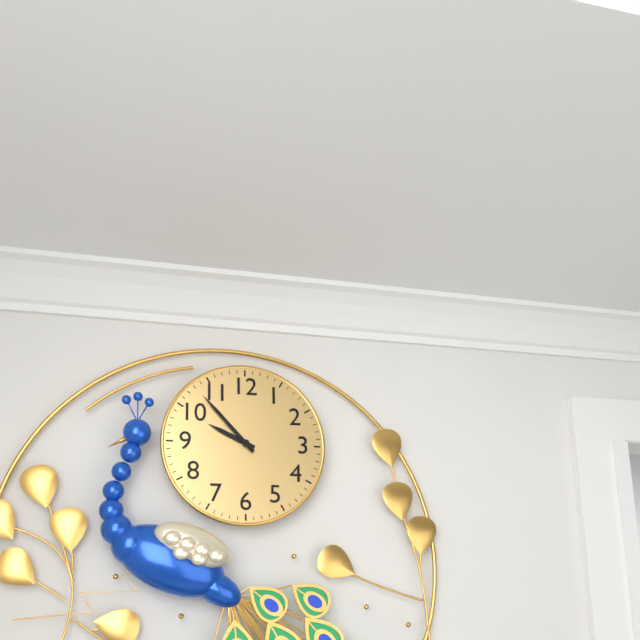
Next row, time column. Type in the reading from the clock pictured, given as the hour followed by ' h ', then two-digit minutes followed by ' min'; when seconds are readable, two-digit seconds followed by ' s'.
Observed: 9 h 53 min
